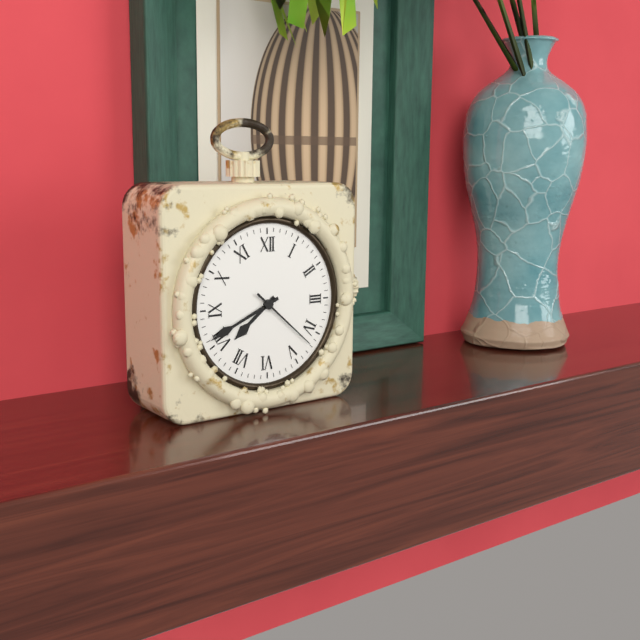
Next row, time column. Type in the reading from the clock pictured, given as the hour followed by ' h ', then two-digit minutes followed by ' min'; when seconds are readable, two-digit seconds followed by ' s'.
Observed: 7 h 41 min 22 s
